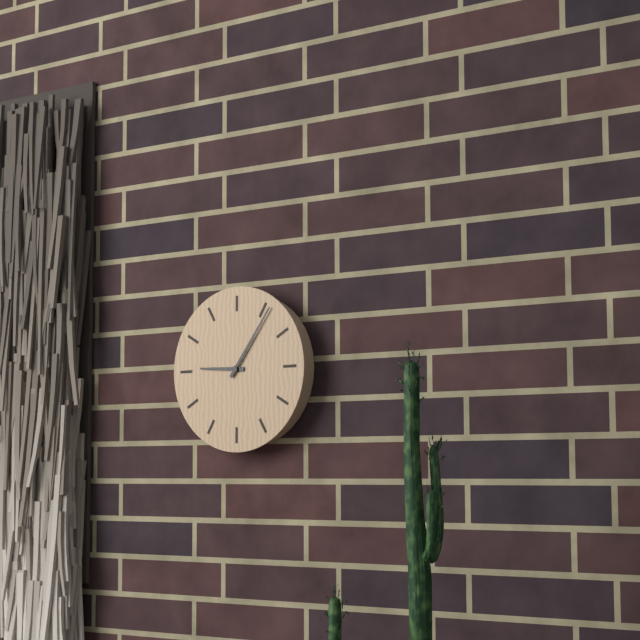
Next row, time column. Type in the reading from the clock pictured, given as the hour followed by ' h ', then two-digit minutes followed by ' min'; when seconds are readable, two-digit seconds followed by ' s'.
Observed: 9 h 06 min
